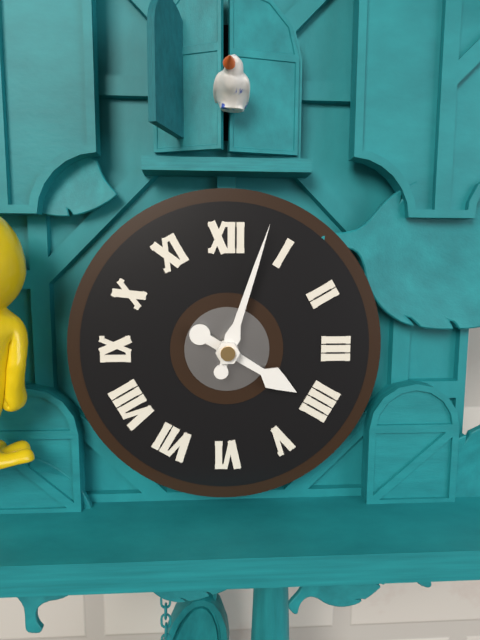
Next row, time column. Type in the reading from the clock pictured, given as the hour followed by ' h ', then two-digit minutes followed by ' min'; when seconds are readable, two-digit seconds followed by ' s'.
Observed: 4 h 03 min
